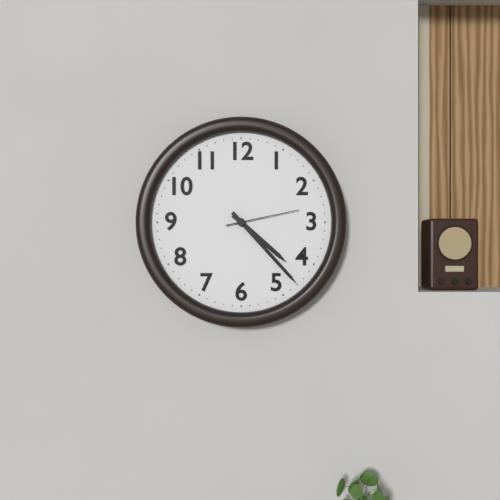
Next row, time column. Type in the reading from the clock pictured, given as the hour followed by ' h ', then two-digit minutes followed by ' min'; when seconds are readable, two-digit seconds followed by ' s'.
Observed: 4 h 23 min 13 s
